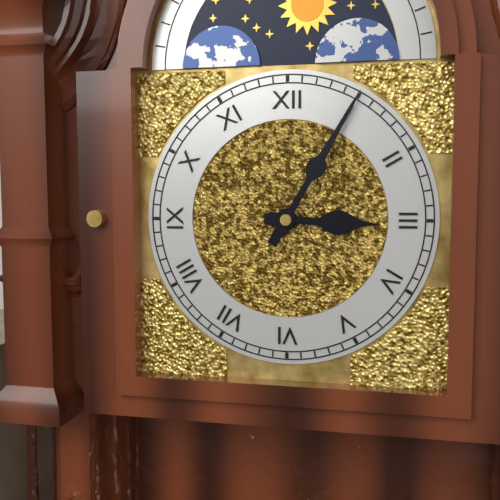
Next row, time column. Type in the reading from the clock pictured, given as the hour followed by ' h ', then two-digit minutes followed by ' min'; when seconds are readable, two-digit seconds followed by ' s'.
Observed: 3 h 05 min
